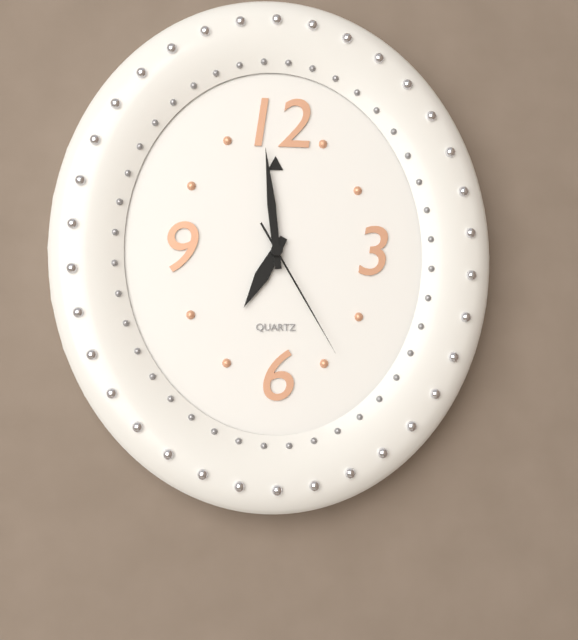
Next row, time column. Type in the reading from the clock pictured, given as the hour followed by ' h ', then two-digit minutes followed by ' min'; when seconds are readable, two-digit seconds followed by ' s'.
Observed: 6 h 59 min 25 s
